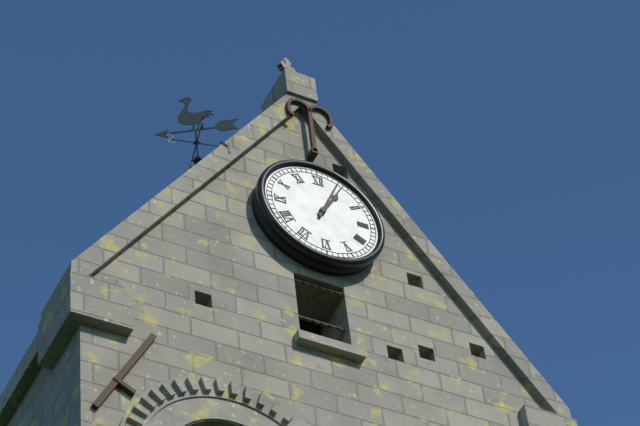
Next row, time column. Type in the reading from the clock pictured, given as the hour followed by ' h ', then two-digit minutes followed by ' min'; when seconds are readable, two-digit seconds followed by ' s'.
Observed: 1 h 04 min
